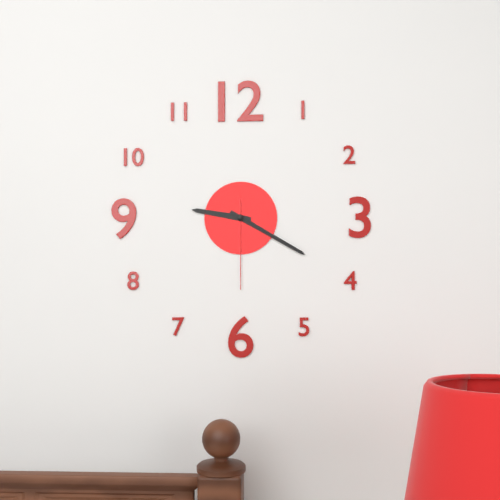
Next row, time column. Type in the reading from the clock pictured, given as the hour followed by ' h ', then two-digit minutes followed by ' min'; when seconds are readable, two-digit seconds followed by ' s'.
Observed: 9 h 20 min 30 s
